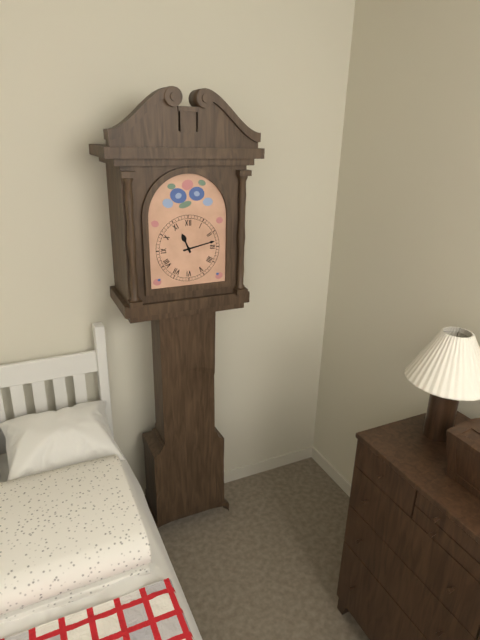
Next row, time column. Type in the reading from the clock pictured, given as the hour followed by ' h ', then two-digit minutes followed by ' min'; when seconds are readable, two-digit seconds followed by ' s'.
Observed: 11 h 13 min
